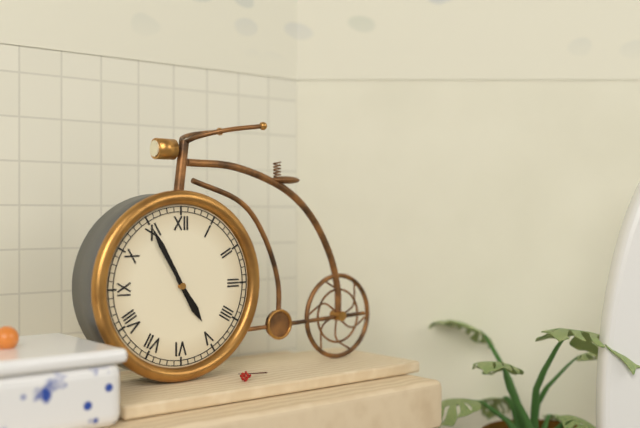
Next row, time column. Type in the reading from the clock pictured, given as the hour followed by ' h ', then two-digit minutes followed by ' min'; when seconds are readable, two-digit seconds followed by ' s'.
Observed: 4 h 55 min
